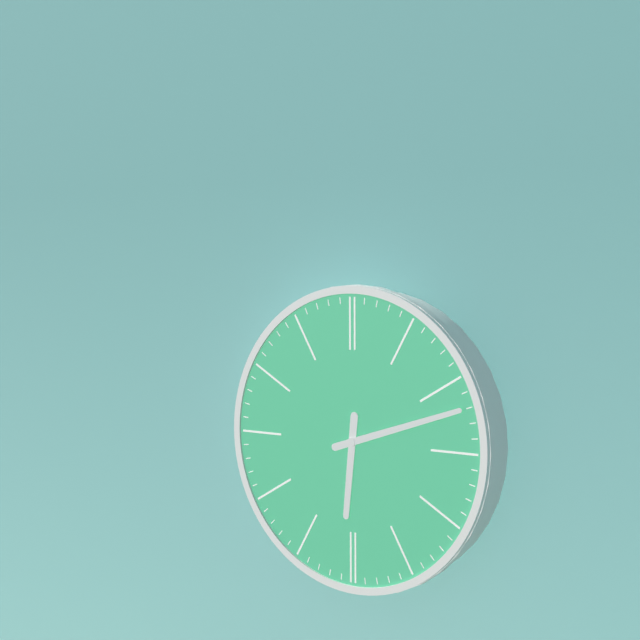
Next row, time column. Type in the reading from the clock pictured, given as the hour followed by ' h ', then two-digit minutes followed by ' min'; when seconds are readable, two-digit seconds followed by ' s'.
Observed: 6 h 12 min
